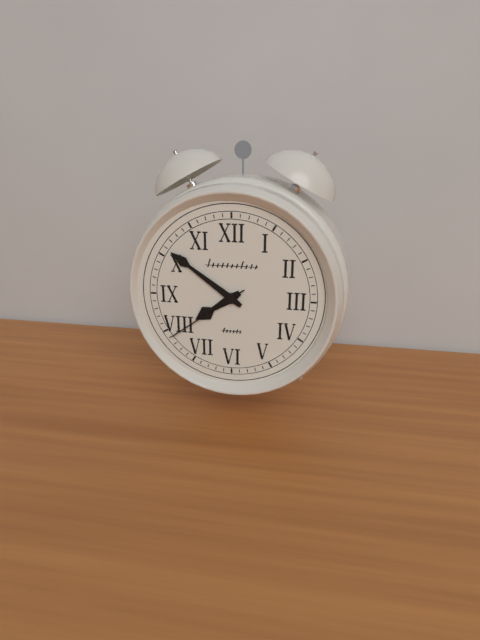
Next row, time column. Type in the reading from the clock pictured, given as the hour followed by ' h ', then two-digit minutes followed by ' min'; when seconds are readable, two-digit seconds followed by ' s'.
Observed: 7 h 51 min 39 s
